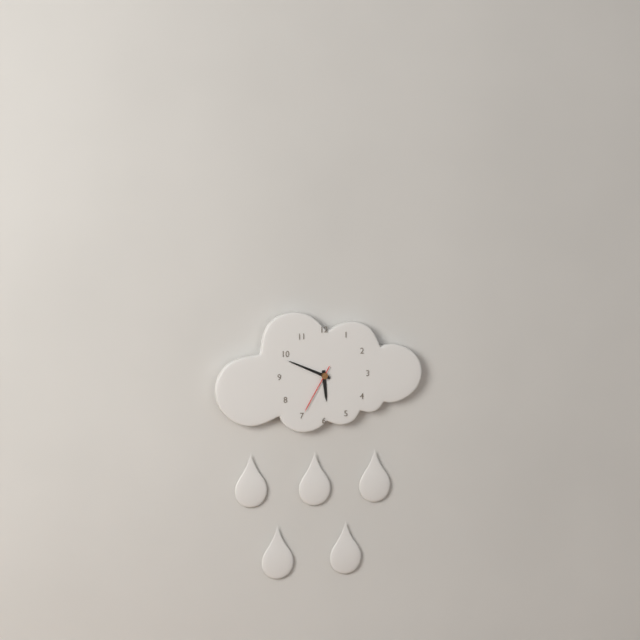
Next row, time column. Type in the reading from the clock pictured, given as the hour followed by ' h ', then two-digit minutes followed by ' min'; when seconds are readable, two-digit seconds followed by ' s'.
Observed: 5 h 49 min 35 s
